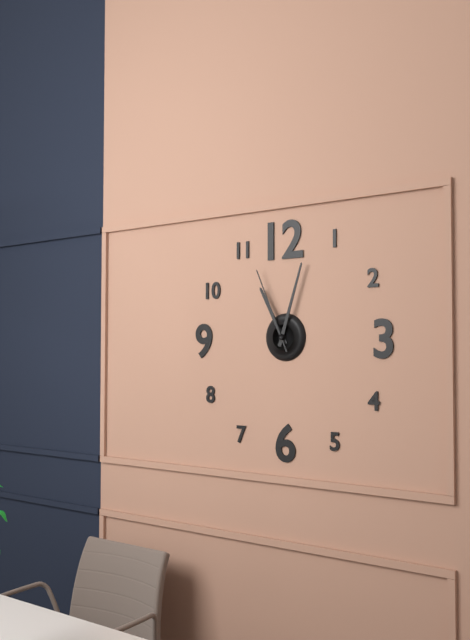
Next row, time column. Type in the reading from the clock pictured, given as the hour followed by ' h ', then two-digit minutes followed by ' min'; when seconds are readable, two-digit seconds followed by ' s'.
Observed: 11 h 03 min 56 s
